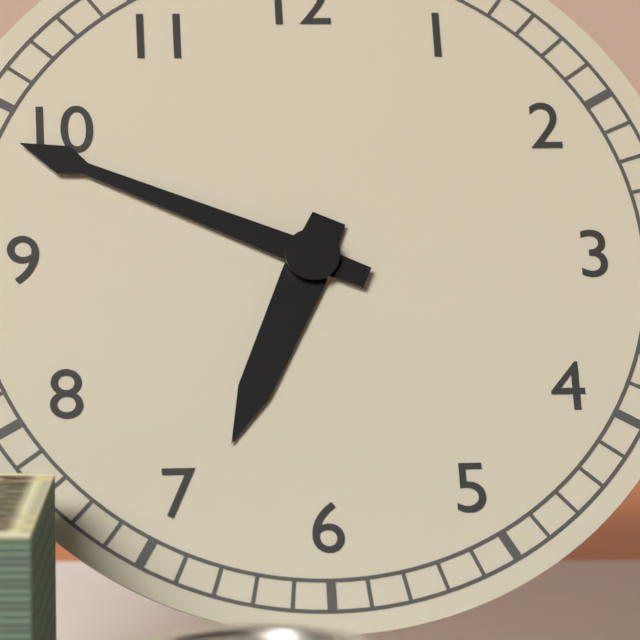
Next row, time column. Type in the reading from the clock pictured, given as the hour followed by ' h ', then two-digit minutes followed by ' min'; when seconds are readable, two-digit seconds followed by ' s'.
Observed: 6 h 49 min
